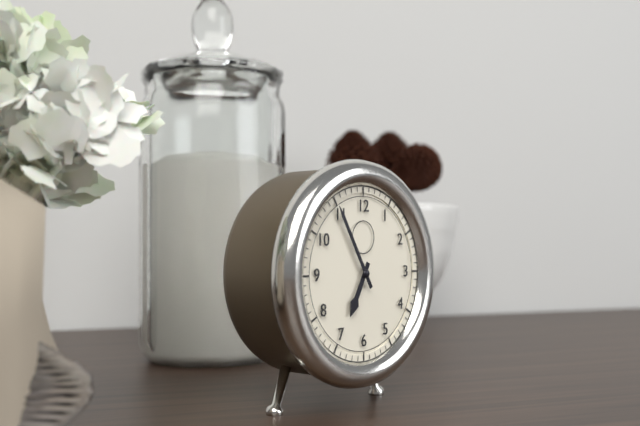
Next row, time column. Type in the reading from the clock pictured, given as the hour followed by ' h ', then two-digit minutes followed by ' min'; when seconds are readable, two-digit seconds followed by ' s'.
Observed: 6 h 55 min
